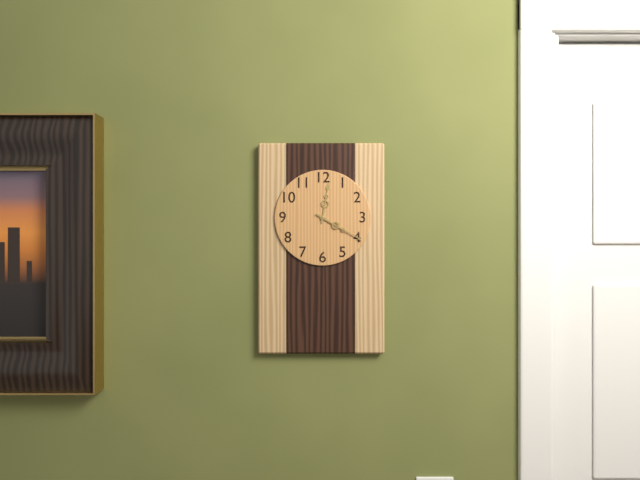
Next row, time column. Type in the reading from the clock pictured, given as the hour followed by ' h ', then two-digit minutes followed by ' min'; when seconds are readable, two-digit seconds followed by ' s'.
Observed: 12 h 20 min
